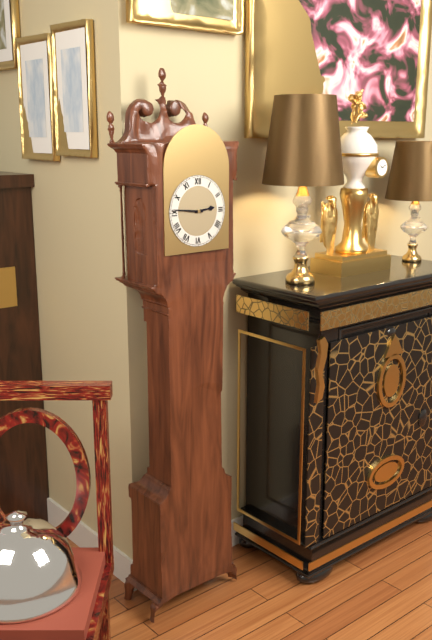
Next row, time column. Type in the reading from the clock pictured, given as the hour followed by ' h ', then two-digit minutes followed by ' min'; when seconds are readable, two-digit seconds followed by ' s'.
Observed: 2 h 46 min
